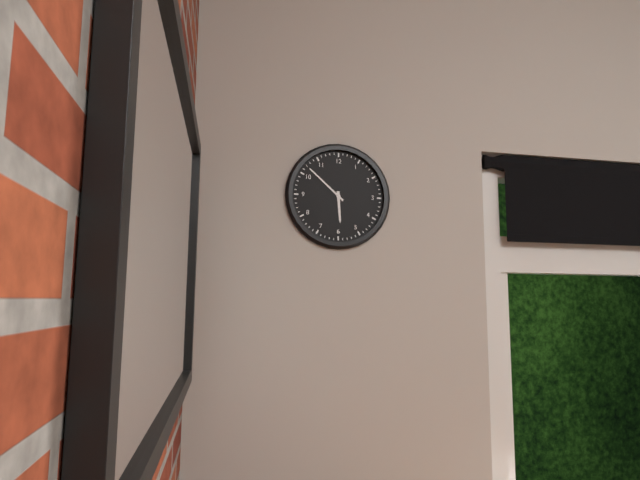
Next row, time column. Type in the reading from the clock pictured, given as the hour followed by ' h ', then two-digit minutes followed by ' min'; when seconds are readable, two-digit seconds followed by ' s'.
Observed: 5 h 52 min
